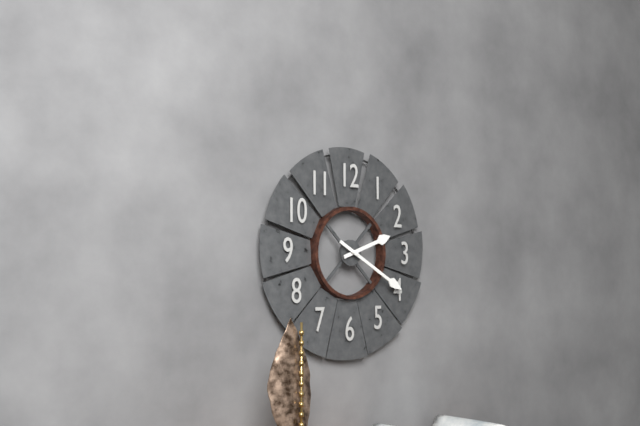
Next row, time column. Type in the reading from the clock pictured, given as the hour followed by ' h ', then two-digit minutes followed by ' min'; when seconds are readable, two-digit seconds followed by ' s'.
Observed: 2 h 20 min
